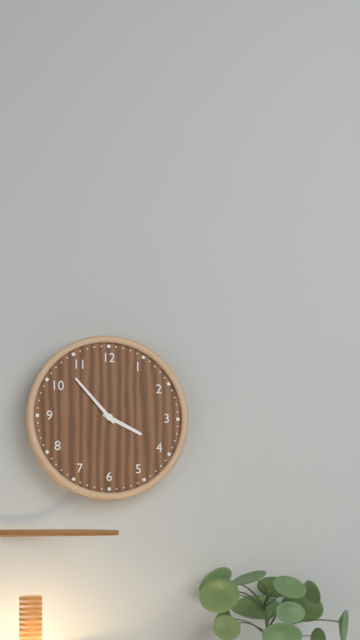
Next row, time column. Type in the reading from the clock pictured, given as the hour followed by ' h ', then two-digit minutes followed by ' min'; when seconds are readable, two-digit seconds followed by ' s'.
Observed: 3 h 53 min
